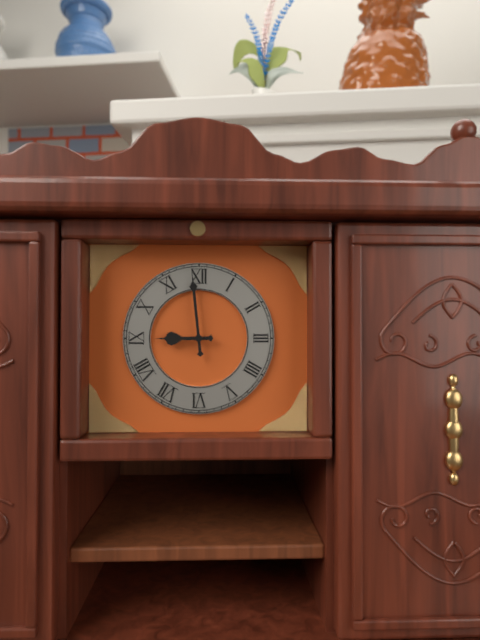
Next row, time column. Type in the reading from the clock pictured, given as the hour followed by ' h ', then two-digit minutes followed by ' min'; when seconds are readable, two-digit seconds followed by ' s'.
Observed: 8 h 59 min
